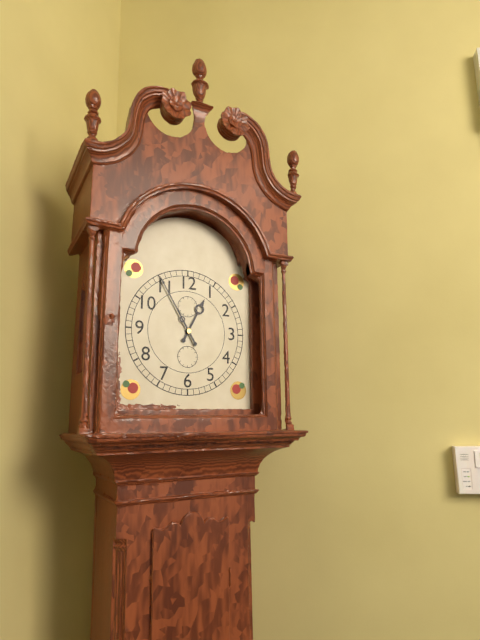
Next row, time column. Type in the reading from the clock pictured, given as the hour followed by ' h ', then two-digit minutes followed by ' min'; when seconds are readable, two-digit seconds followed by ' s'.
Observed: 12 h 55 min
